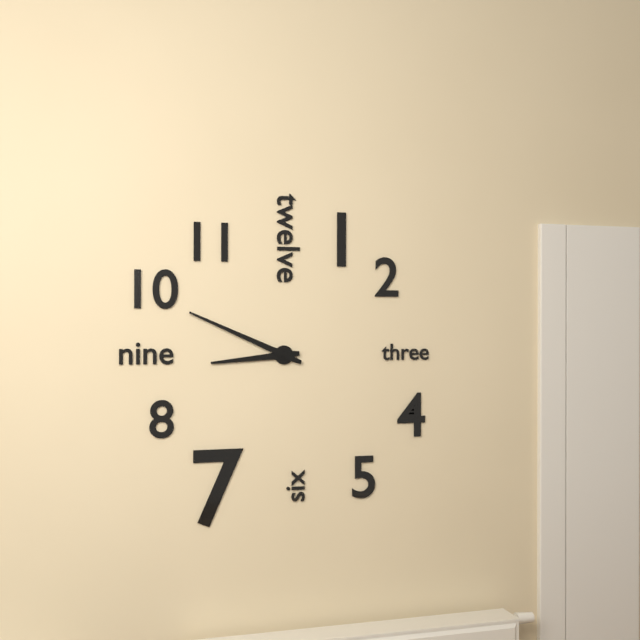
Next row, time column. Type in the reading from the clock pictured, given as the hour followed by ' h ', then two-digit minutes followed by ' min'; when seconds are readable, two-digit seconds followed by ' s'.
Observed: 8 h 49 min
